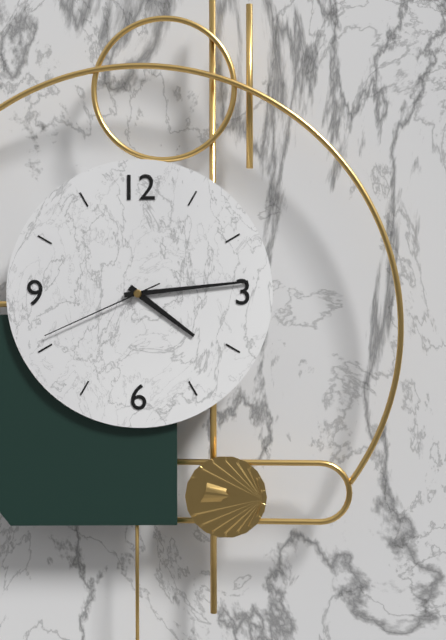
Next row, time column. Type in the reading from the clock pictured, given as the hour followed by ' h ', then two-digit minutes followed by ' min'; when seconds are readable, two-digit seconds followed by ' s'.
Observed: 4 h 14 min 41 s
